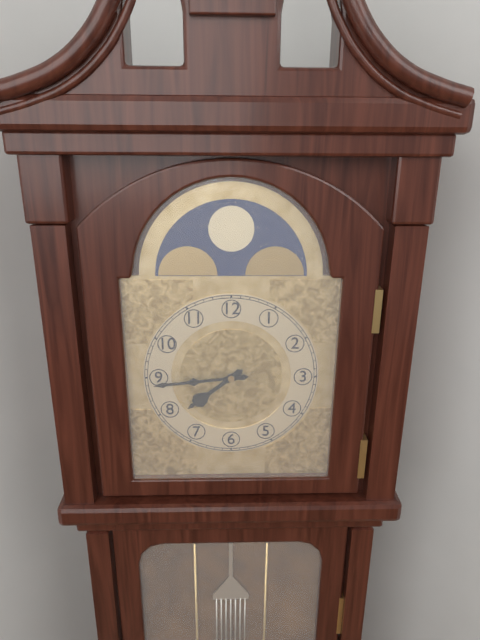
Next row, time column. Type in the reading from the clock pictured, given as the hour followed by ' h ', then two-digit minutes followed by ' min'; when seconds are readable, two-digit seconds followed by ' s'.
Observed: 7 h 44 min
